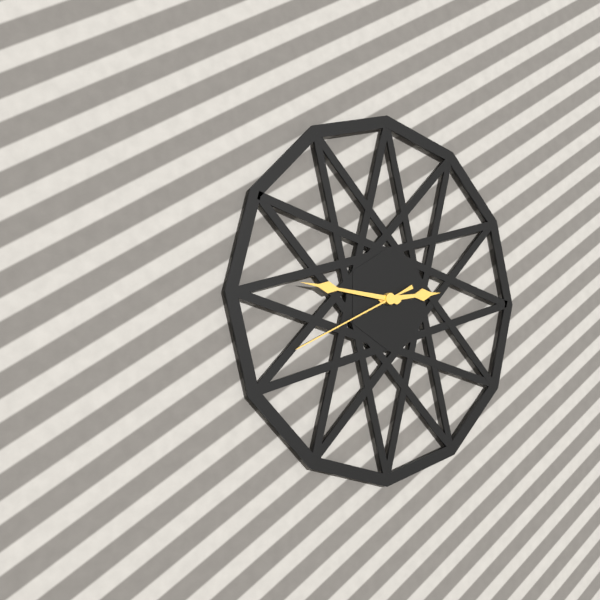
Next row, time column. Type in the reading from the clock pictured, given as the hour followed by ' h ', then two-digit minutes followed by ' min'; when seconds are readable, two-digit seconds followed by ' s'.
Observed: 2 h 46 min 41 s
